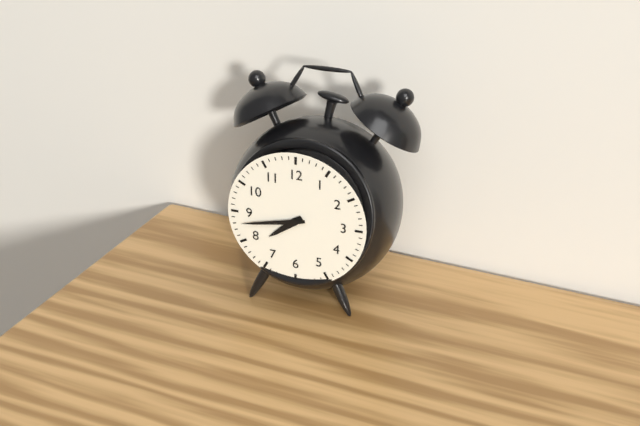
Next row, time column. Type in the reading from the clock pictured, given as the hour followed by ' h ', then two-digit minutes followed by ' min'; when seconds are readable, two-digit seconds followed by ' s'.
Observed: 7 h 43 min
